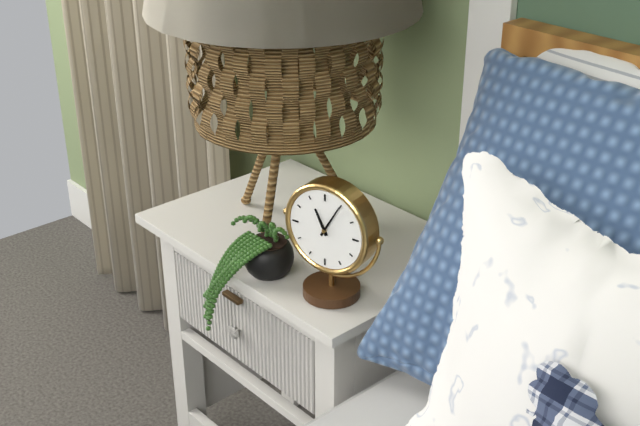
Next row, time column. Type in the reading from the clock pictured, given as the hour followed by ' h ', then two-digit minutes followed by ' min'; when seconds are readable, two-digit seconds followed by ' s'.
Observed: 11 h 05 min
